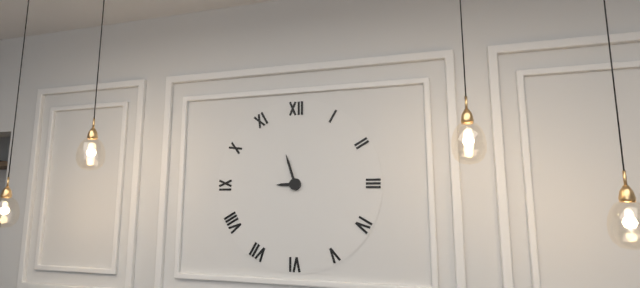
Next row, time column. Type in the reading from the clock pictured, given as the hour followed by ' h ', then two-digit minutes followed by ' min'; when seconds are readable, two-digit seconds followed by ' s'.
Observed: 8 h 57 min
